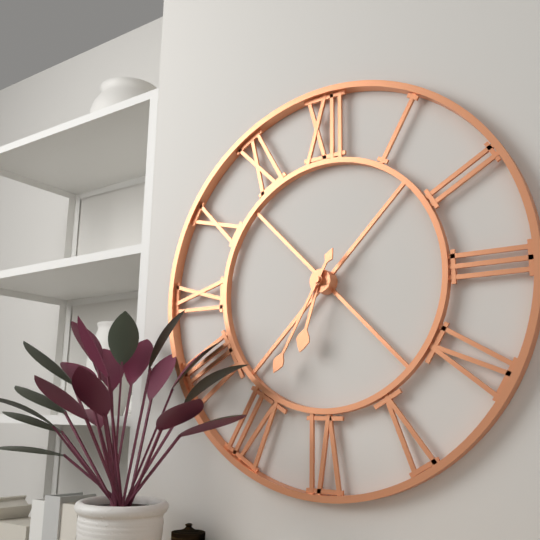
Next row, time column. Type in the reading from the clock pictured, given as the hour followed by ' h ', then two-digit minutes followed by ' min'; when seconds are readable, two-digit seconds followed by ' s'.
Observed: 6 h 35 min
